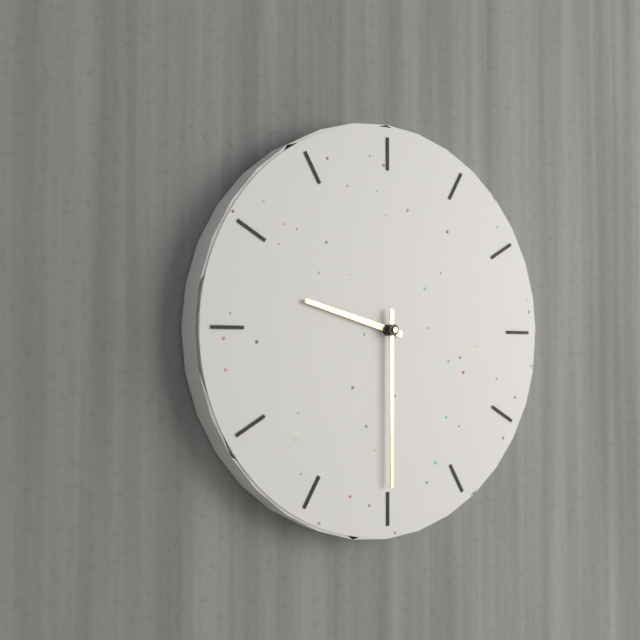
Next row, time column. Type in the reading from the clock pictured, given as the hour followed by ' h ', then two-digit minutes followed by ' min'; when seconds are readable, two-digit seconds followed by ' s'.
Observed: 9 h 30 min
